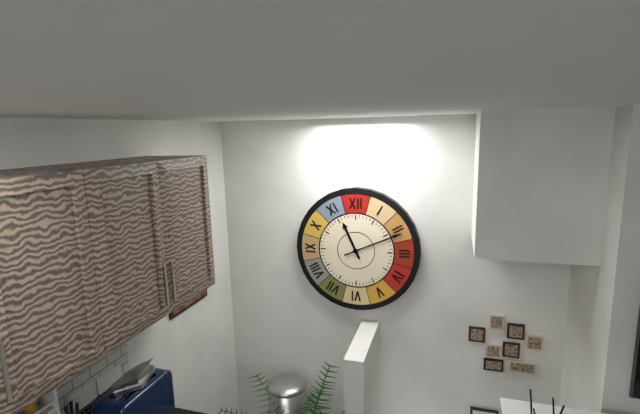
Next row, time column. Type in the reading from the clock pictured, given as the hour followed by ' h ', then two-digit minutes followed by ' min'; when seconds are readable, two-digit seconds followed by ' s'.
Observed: 11 h 11 min
